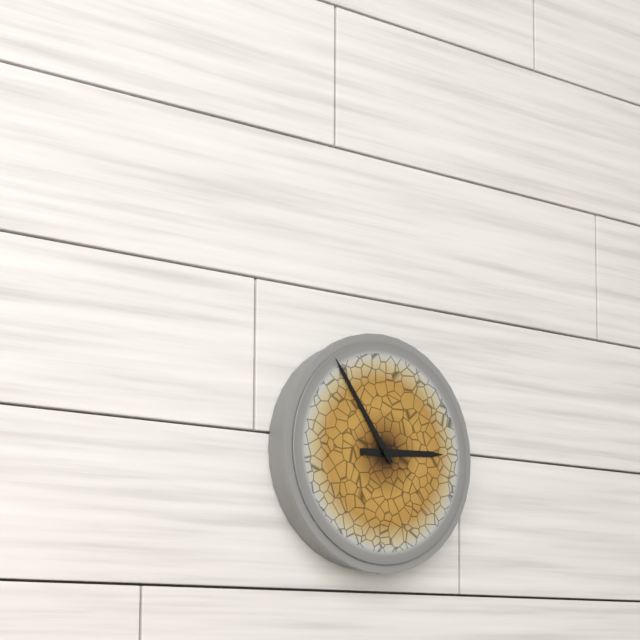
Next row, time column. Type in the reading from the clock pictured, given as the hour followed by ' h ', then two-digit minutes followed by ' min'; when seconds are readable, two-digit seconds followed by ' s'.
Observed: 2 h 54 min
